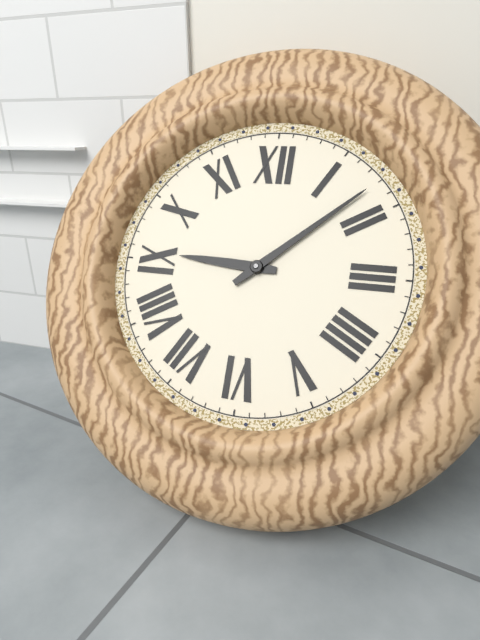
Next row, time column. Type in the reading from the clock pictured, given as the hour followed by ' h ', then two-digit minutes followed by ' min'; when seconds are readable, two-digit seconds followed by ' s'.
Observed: 9 h 08 min
